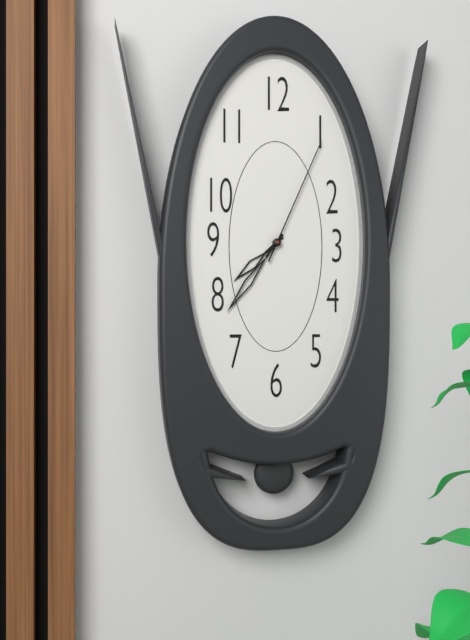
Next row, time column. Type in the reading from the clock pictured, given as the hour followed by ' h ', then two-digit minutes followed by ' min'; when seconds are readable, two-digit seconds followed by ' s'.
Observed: 7 h 36 min 04 s
